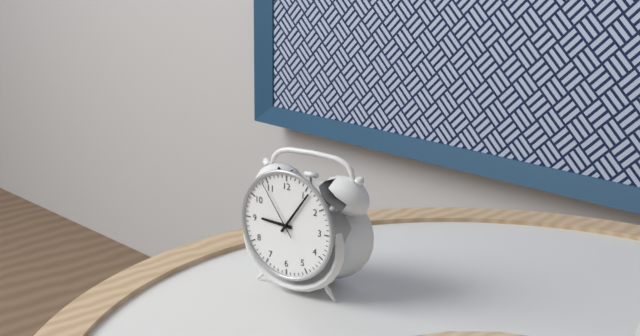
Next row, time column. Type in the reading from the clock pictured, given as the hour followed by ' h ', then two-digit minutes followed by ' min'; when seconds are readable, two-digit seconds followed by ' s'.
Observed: 9 h 06 min 54 s
